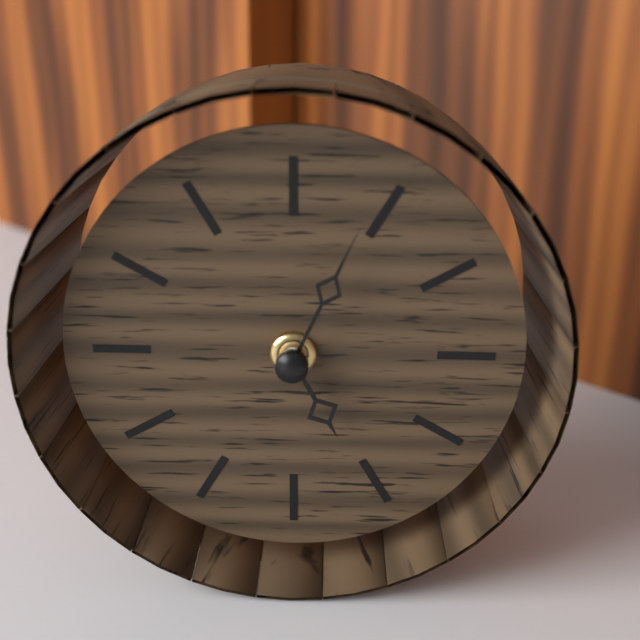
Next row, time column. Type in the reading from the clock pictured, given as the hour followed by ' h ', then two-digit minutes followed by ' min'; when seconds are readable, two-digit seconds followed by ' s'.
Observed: 5 h 04 min
